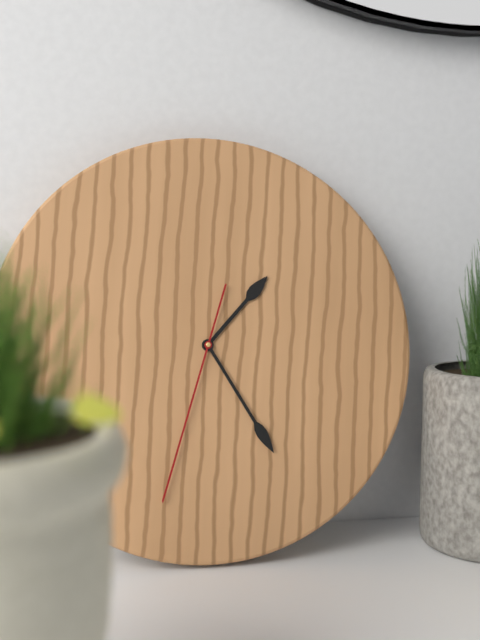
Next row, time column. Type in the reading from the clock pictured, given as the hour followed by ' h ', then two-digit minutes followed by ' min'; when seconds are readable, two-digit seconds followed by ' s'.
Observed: 1 h 25 min 33 s
